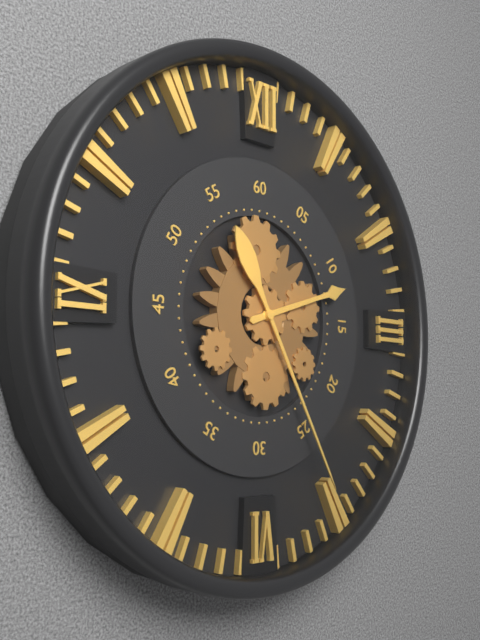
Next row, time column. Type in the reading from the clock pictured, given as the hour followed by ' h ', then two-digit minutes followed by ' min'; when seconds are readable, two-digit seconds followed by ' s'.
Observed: 2 h 25 min
